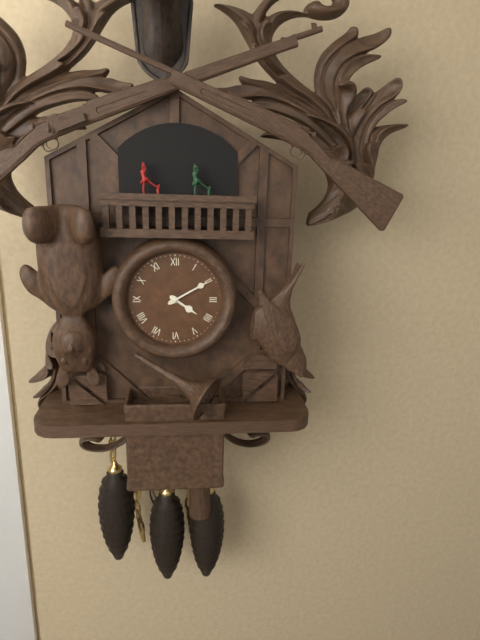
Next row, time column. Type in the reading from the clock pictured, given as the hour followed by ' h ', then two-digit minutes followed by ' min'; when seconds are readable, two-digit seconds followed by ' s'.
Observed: 4 h 10 min
